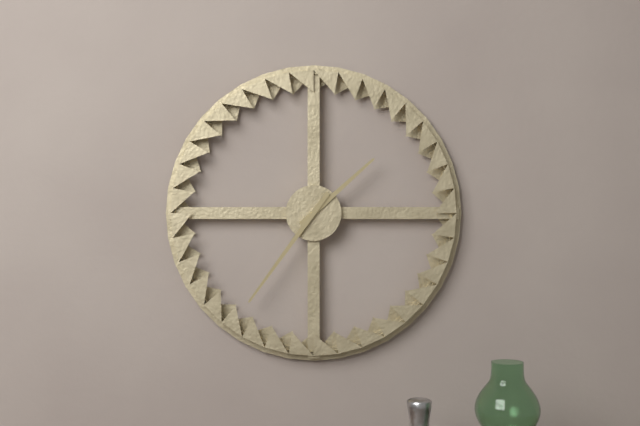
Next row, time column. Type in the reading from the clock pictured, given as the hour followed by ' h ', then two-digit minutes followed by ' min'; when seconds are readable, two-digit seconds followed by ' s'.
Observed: 1 h 36 min
